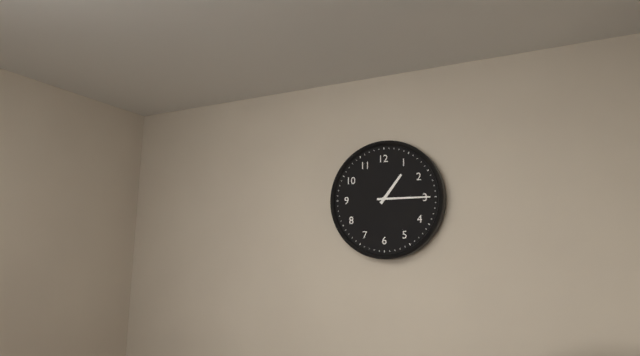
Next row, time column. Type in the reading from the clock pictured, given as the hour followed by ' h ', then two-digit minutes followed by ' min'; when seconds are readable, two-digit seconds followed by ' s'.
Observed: 1 h 15 min
